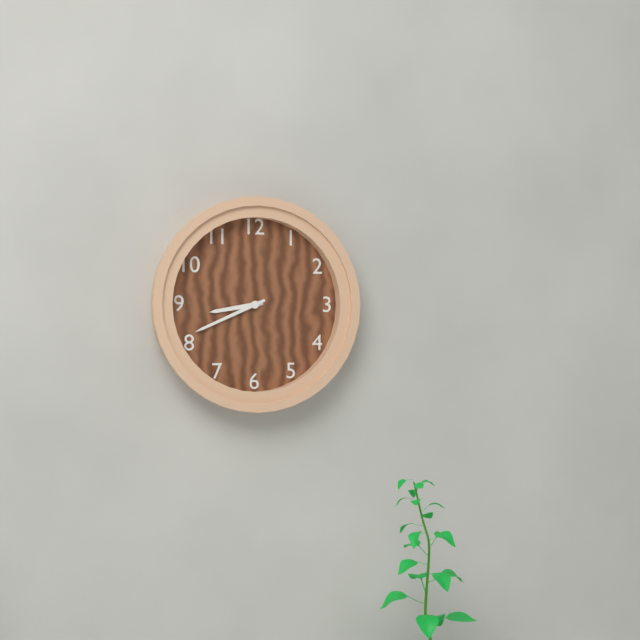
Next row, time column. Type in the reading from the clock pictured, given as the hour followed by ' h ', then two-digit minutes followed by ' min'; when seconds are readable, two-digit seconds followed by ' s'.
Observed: 8 h 41 min
